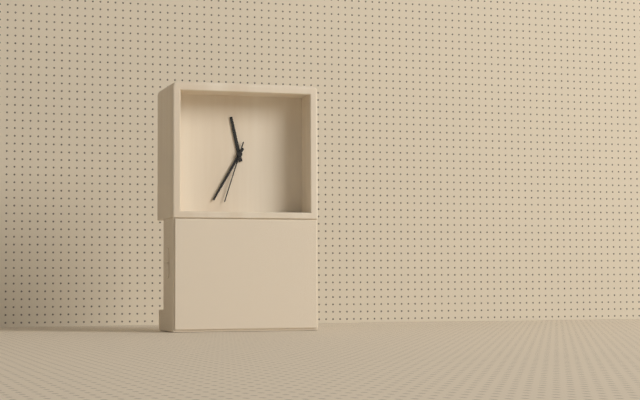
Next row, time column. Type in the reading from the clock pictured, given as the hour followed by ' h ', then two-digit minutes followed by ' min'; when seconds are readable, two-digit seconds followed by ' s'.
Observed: 11 h 35 min 33 s
